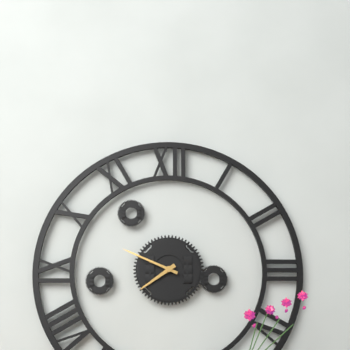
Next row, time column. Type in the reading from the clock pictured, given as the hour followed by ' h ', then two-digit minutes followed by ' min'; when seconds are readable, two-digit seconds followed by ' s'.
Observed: 7 h 49 min
